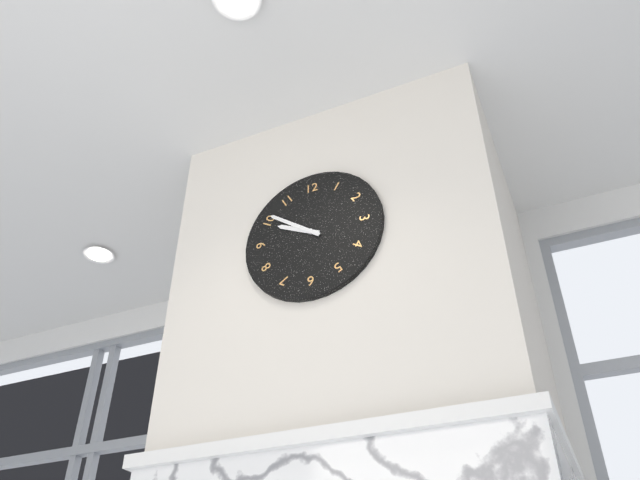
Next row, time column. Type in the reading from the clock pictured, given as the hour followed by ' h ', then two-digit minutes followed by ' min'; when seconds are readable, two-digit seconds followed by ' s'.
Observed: 9 h 51 min
